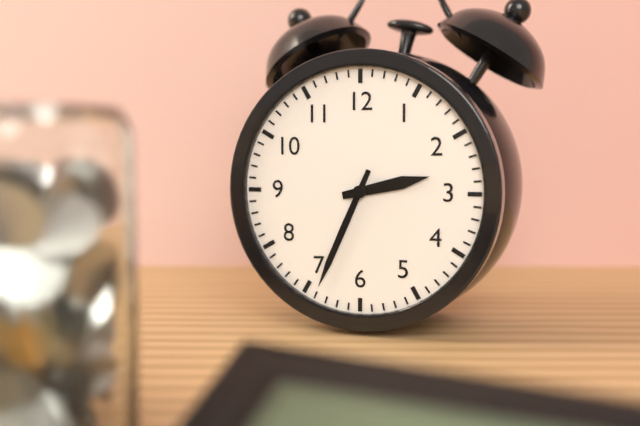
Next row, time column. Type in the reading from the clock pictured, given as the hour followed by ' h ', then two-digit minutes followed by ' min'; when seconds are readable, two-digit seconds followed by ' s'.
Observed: 2 h 34 min
